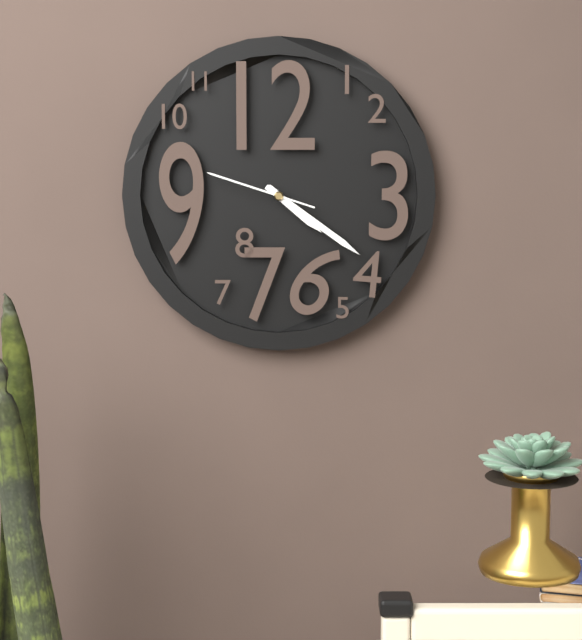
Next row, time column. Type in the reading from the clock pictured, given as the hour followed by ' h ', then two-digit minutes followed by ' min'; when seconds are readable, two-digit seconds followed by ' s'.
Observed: 4 h 21 min 48 s
